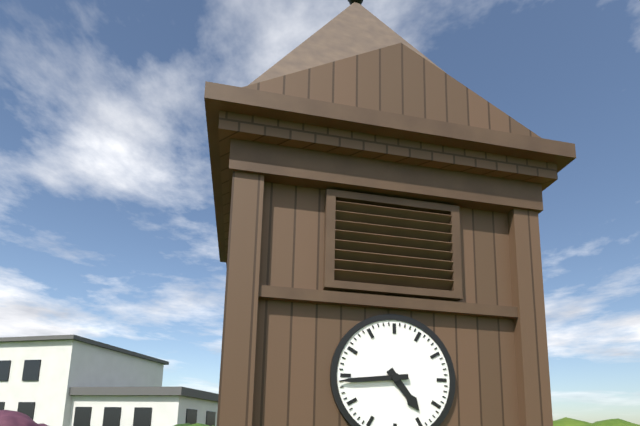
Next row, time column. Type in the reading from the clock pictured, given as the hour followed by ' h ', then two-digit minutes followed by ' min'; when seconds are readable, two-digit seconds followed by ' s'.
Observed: 4 h 44 min
